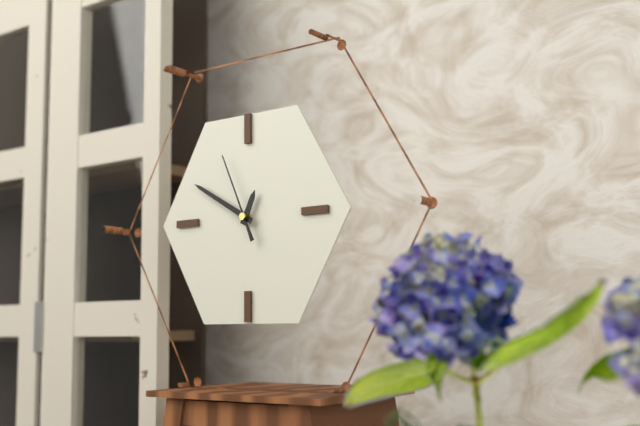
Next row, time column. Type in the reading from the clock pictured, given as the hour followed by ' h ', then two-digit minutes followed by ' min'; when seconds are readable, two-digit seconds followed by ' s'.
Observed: 12 h 50 min 56 s
